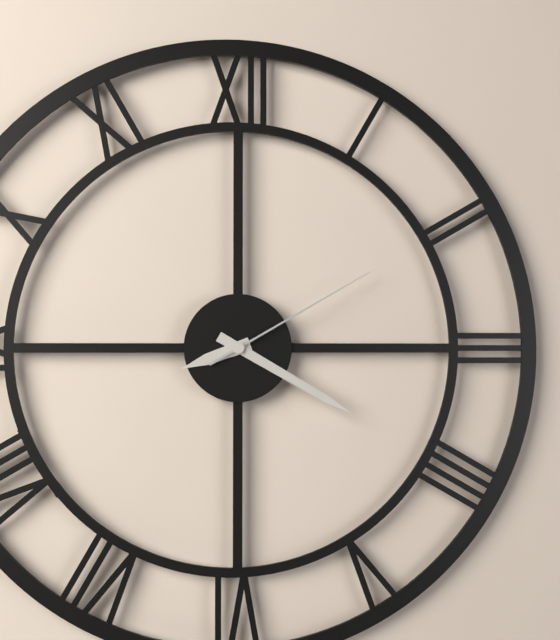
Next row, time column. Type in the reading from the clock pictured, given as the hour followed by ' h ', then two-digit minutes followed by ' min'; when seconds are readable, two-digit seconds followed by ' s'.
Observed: 8 h 20 min 10 s
